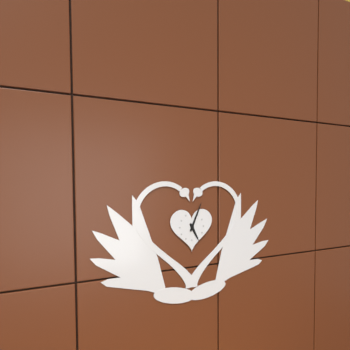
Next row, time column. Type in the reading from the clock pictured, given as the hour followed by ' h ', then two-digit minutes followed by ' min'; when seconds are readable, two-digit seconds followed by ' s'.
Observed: 5 h 04 min
